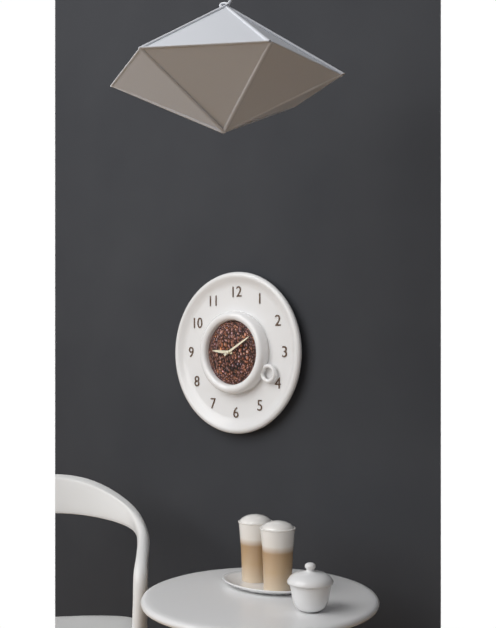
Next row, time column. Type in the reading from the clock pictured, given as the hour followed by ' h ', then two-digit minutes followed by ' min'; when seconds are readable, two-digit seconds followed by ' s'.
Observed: 9 h 10 min
